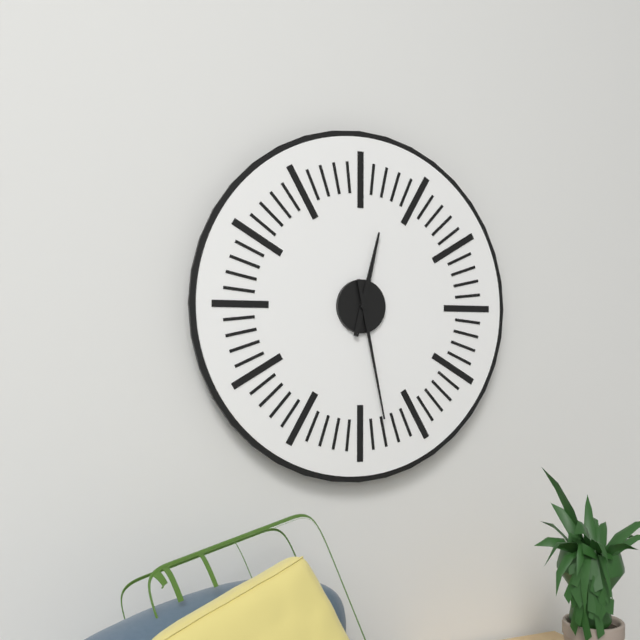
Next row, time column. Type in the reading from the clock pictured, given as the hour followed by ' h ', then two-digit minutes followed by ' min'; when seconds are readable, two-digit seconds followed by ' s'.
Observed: 12 h 28 min
